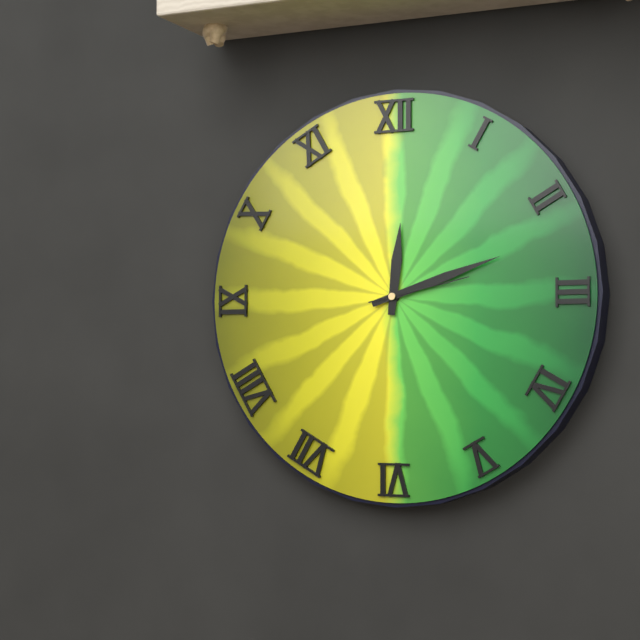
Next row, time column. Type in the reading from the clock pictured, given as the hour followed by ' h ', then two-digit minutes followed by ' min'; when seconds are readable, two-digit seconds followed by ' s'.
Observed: 12 h 12 min 13 s
